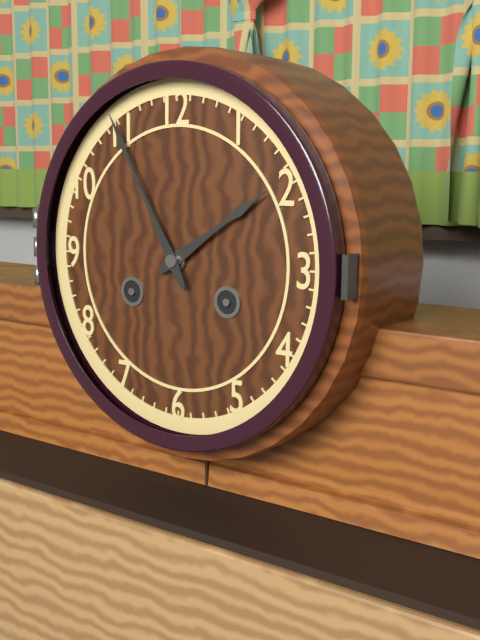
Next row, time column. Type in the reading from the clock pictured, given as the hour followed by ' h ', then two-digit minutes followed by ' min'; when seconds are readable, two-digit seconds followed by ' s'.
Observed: 1 h 55 min
